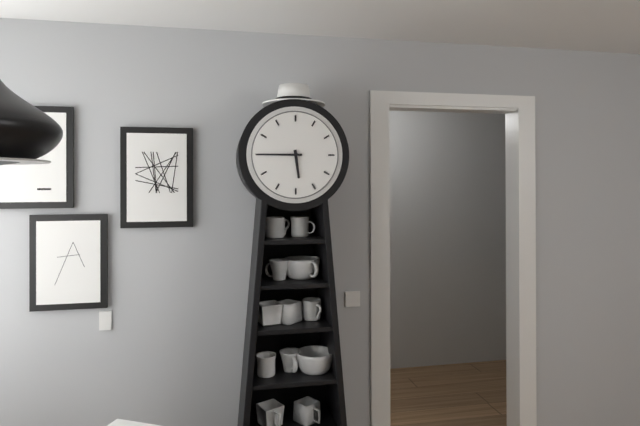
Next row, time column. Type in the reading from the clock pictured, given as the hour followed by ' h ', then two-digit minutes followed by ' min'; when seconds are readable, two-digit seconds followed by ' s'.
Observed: 5 h 45 min
